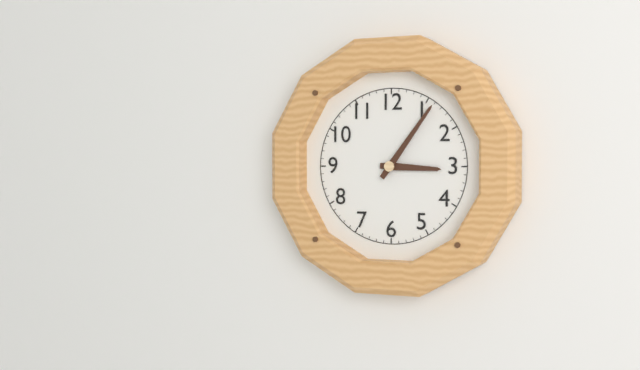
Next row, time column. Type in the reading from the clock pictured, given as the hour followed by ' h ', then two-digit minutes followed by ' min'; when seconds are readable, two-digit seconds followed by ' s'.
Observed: 3 h 06 min
